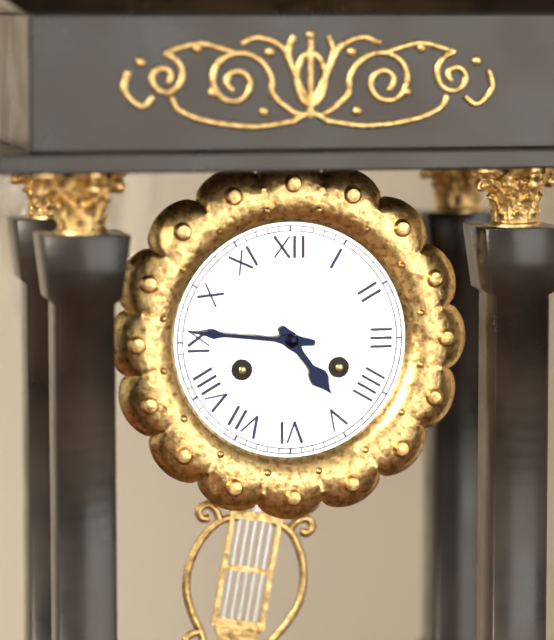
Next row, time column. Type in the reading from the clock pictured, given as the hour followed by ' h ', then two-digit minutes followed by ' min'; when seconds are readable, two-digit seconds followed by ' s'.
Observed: 4 h 46 min
